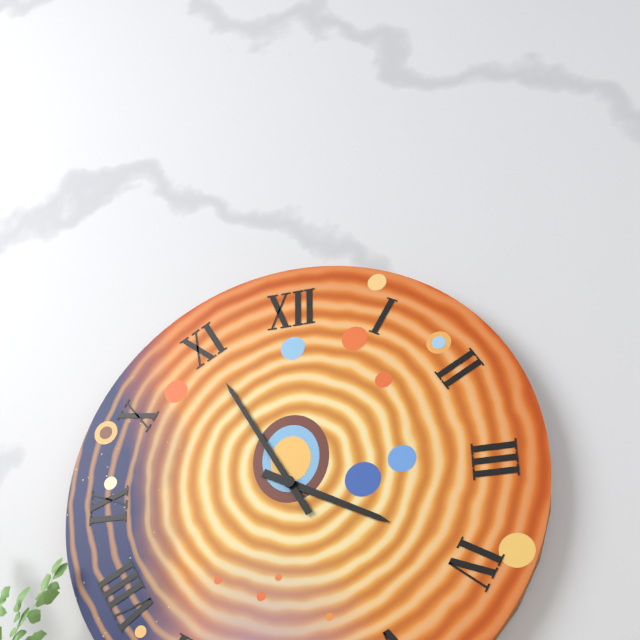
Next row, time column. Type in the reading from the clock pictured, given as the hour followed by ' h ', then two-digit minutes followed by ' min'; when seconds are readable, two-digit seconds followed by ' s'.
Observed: 3 h 55 min
